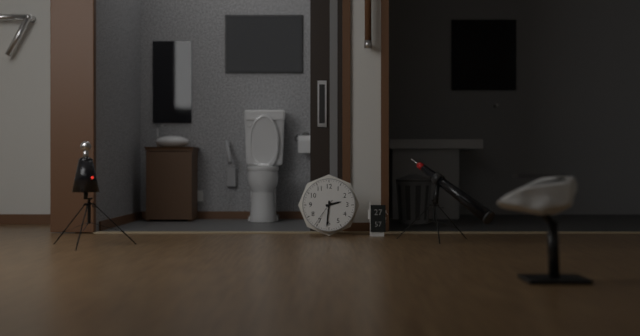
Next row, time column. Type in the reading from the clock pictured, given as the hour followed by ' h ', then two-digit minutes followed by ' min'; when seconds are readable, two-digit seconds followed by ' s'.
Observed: 2 h 31 min
